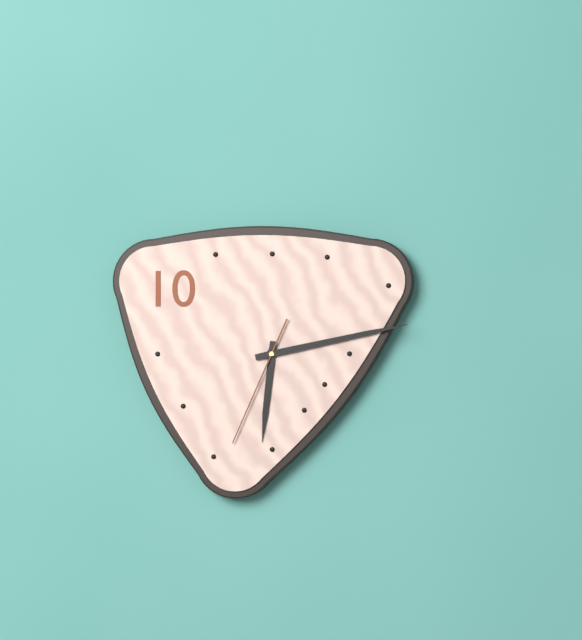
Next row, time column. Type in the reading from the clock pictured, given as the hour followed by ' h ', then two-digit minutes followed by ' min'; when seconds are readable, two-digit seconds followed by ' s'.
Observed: 6 h 13 min 34 s
